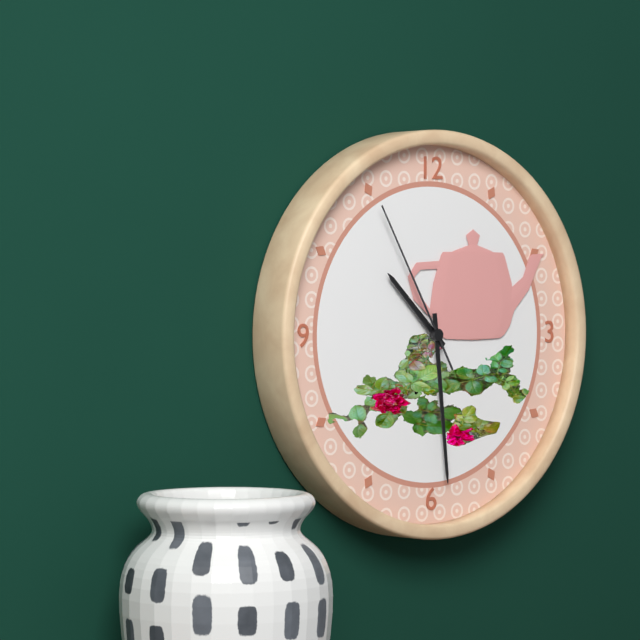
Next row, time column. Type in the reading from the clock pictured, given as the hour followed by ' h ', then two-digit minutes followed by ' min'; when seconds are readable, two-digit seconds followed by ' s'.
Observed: 10 h 29 min 55 s
